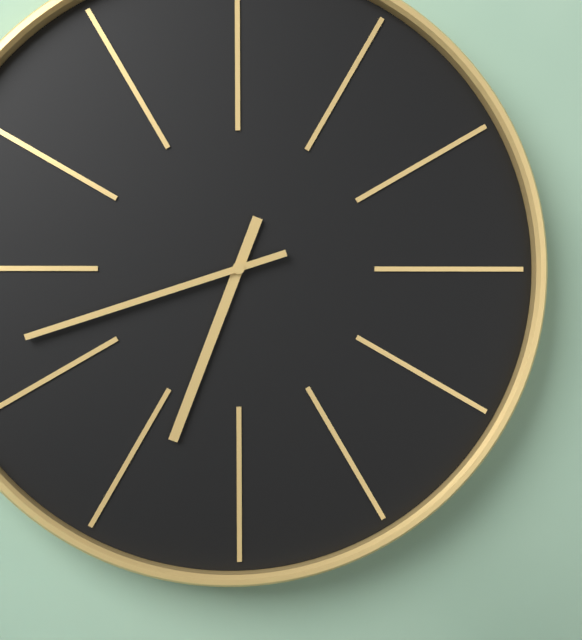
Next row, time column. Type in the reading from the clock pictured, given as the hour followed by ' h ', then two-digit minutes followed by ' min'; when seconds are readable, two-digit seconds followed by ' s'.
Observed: 6 h 42 min
